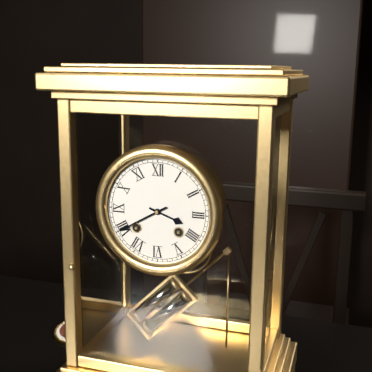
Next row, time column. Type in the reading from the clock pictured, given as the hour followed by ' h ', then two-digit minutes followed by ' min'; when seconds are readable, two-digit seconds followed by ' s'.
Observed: 3 h 40 min
